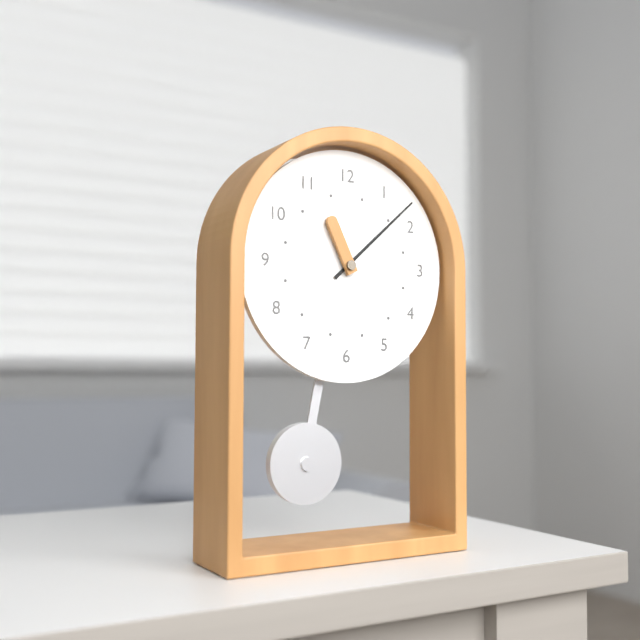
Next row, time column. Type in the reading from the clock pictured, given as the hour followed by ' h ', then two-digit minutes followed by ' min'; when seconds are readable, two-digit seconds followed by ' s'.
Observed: 11 h 08 min
